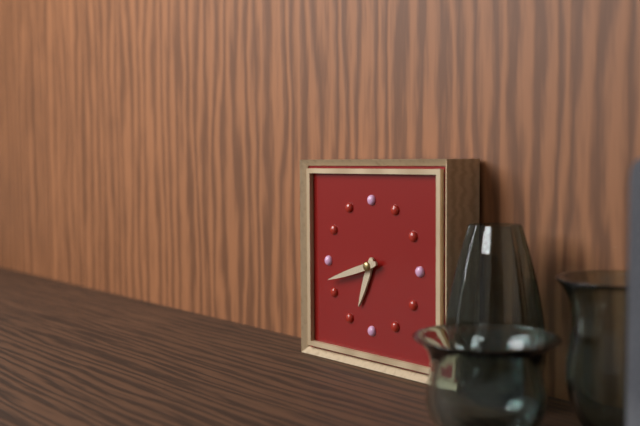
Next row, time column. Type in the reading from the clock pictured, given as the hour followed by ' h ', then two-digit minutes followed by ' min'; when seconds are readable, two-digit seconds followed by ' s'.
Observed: 6 h 42 min
